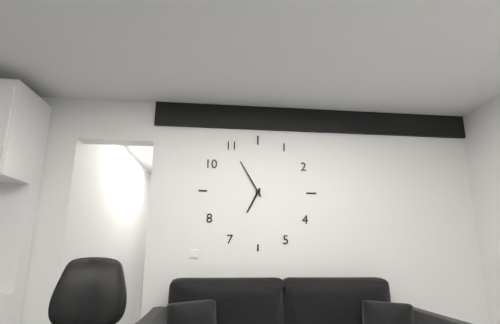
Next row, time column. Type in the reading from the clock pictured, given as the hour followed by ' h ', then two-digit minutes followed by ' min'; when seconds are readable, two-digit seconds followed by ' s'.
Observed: 6 h 55 min
